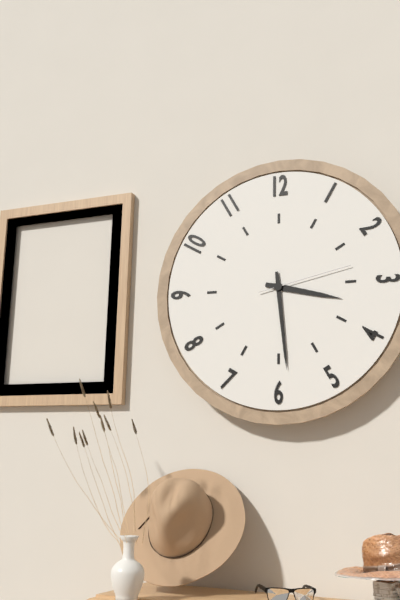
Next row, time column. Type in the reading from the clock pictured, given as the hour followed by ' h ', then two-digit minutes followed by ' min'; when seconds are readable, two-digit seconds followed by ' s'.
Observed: 3 h 29 min 13 s
